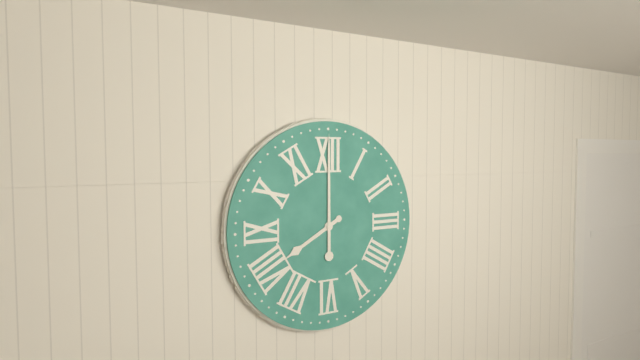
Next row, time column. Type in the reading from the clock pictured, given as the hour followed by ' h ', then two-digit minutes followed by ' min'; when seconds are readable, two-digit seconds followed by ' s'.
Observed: 8 h 00 min
